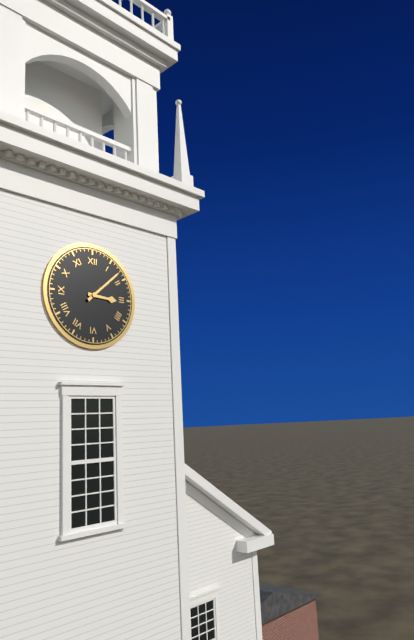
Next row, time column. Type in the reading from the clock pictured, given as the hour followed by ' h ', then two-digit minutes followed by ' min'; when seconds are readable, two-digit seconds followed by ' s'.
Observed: 3 h 08 min
